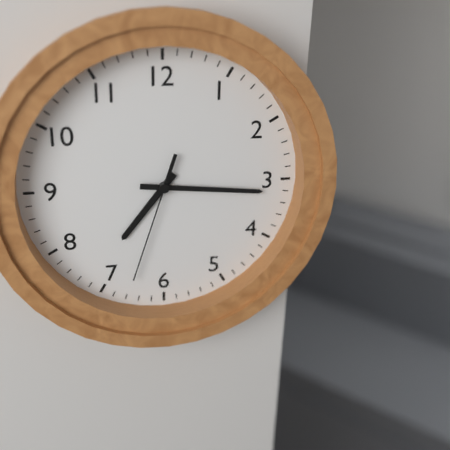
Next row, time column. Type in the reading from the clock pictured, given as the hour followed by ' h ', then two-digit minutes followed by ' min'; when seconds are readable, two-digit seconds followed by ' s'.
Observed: 7 h 16 min 33 s
